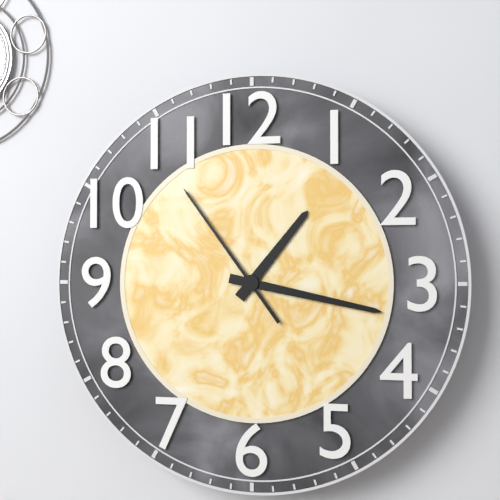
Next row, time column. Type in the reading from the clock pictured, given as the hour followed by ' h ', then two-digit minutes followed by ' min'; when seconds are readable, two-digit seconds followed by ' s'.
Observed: 1 h 17 min 54 s
